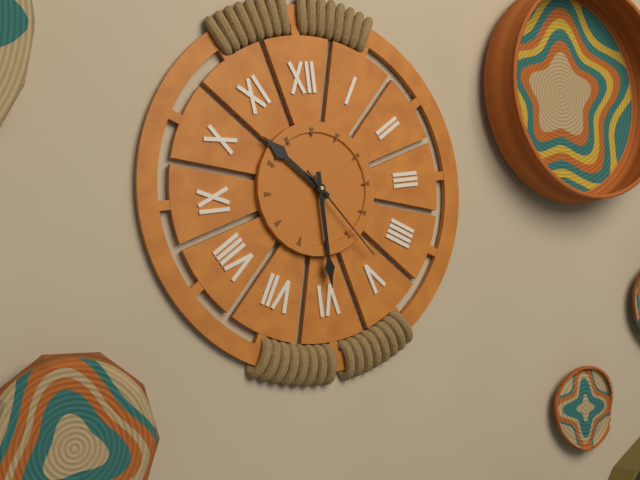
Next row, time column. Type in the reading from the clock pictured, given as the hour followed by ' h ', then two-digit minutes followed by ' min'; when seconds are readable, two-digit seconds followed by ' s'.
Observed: 10 h 30 min 24 s
